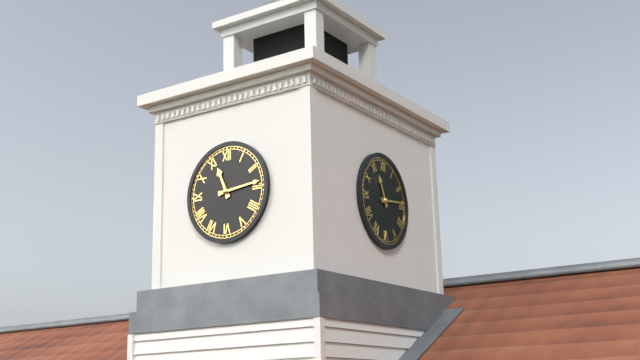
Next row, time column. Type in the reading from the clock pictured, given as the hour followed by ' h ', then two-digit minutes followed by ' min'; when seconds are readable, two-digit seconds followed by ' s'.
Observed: 11 h 14 min
